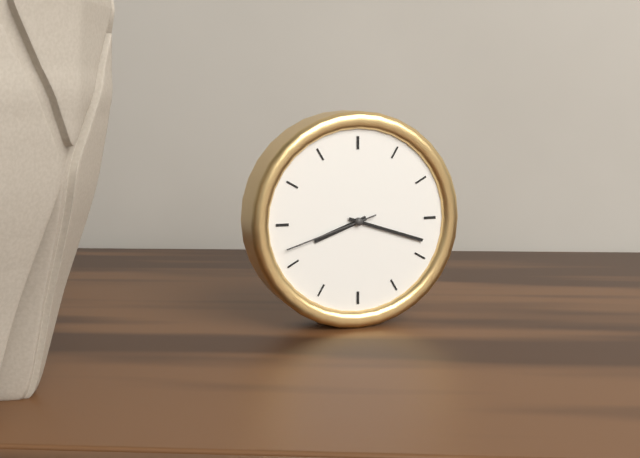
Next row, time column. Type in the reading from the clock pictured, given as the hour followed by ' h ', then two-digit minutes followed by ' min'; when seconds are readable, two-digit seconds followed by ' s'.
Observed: 8 h 18 min 42 s
